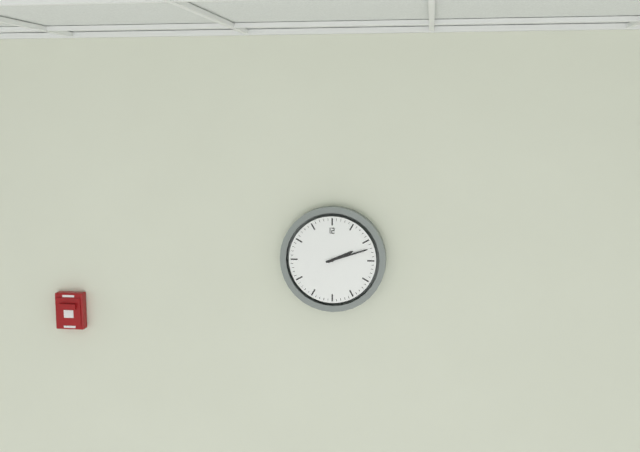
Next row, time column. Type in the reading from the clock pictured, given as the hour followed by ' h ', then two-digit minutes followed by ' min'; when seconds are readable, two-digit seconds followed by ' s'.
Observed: 2 h 12 min
